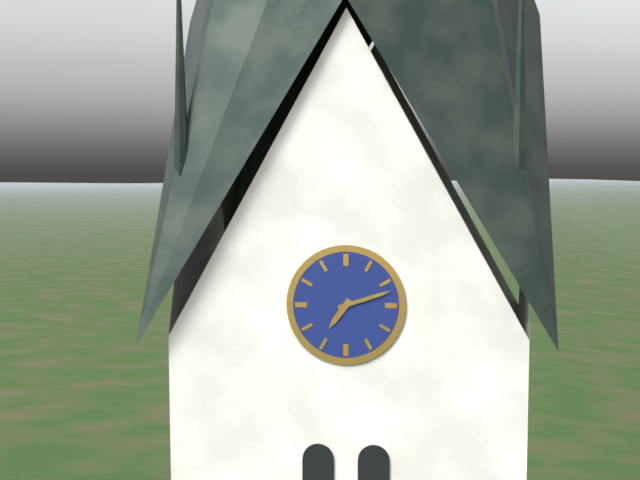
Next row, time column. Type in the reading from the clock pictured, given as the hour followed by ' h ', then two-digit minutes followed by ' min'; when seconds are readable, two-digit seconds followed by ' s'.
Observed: 7 h 12 min
